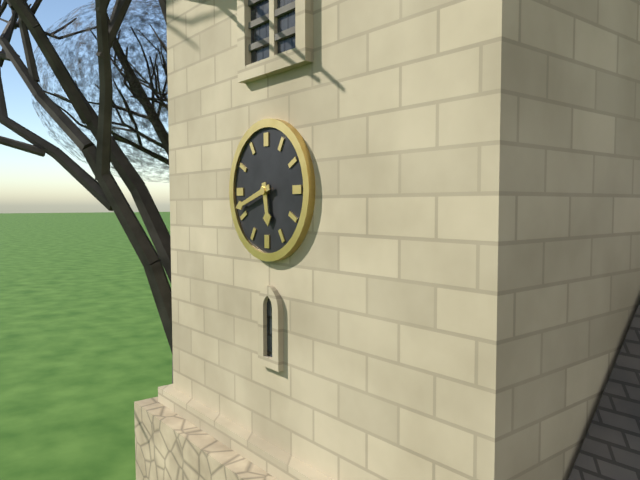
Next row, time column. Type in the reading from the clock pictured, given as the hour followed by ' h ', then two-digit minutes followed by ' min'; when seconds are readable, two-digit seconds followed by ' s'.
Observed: 5 h 42 min
